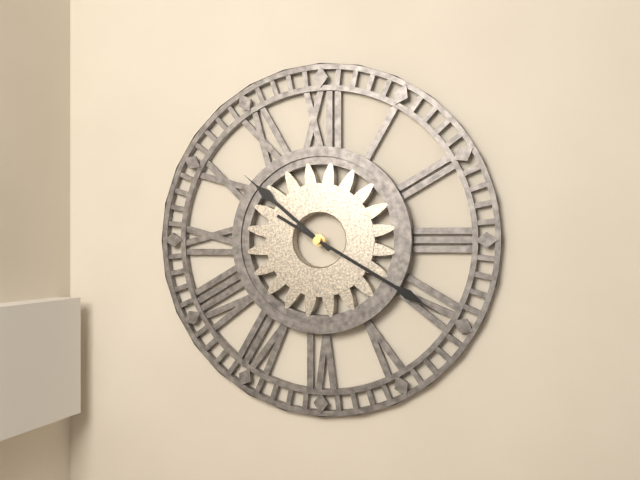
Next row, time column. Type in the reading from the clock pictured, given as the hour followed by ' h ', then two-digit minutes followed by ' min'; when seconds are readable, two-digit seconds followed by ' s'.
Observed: 10 h 20 min
